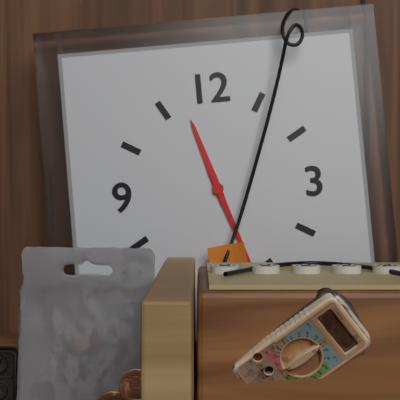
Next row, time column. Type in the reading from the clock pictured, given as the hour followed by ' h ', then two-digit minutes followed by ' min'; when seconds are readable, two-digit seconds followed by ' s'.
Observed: 11 h 27 min
